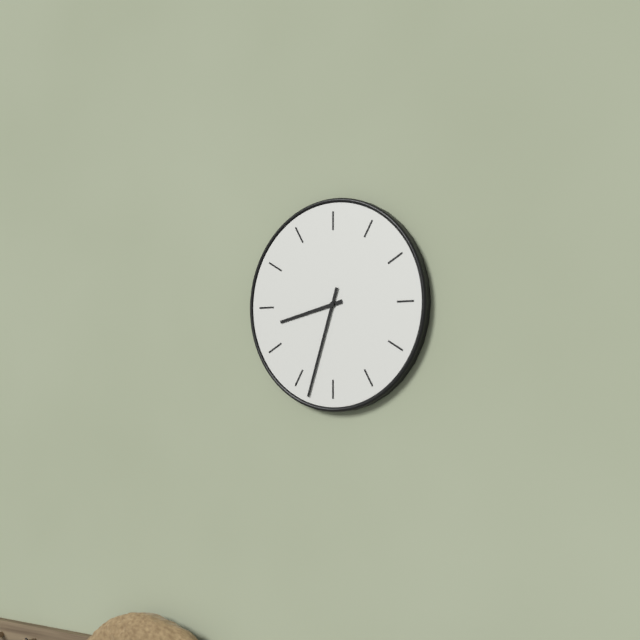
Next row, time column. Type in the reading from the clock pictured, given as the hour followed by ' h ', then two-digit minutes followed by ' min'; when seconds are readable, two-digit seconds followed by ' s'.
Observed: 8 h 33 min
